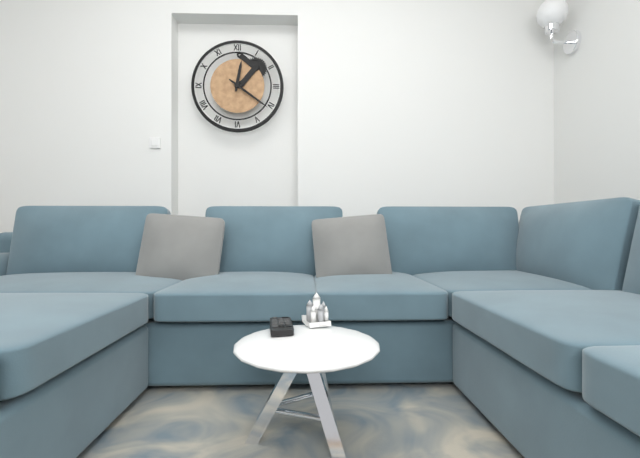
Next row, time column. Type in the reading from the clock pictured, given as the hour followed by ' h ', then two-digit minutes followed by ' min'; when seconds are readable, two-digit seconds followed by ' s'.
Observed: 12 h 21 min
